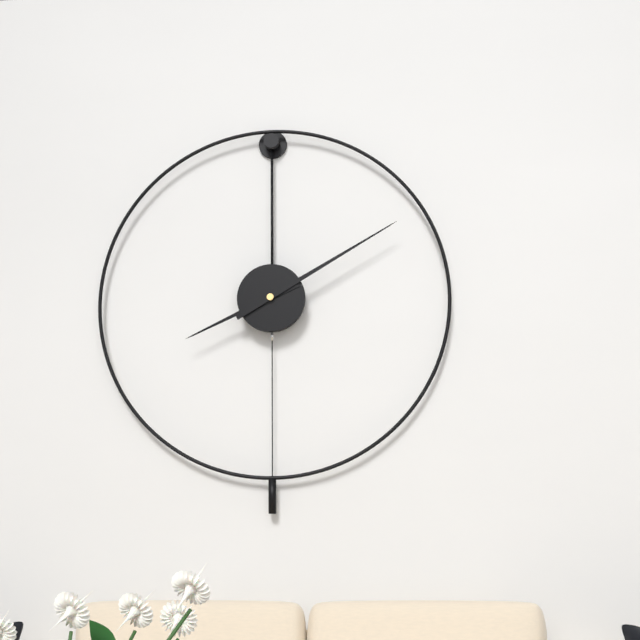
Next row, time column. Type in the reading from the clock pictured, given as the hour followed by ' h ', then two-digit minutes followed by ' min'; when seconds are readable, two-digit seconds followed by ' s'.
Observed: 8 h 10 min
